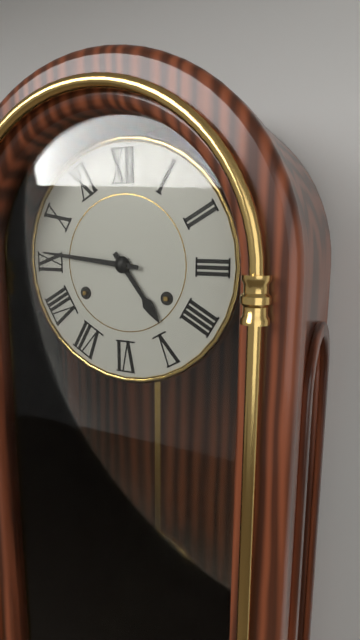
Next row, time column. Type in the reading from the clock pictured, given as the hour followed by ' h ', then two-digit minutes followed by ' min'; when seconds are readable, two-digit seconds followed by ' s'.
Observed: 4 h 46 min
